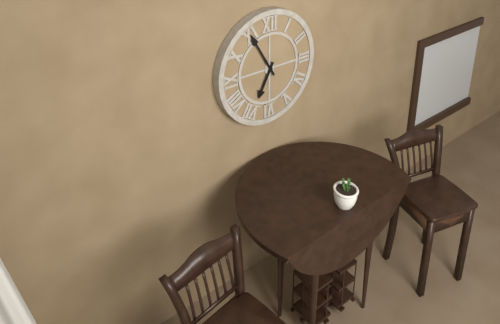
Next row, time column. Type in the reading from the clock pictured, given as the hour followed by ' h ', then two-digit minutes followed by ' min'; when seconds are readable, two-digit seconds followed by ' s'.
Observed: 6 h 55 min
